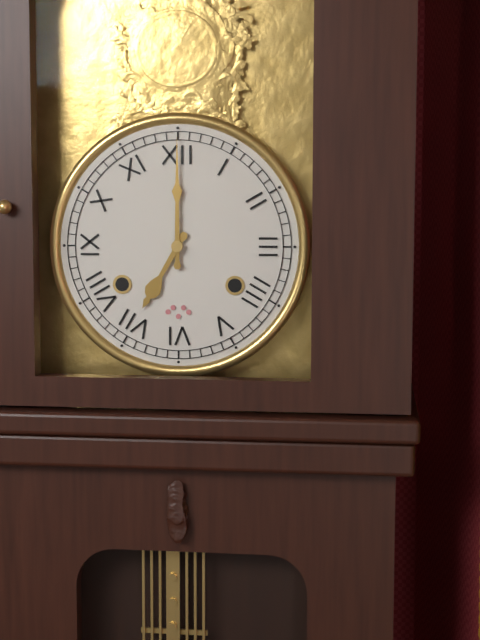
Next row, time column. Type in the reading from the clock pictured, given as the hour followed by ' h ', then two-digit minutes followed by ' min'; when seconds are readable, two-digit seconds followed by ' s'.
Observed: 7 h 00 min
